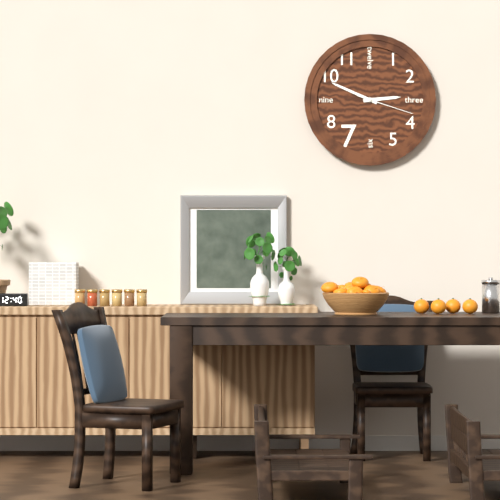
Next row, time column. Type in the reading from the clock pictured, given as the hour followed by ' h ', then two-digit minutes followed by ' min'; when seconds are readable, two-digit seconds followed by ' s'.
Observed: 2 h 49 min 18 s
